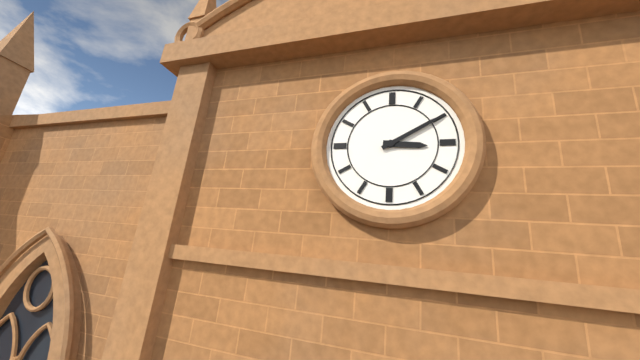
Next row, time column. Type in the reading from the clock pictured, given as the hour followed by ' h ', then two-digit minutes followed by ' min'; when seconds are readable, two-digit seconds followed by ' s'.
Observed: 3 h 10 min
